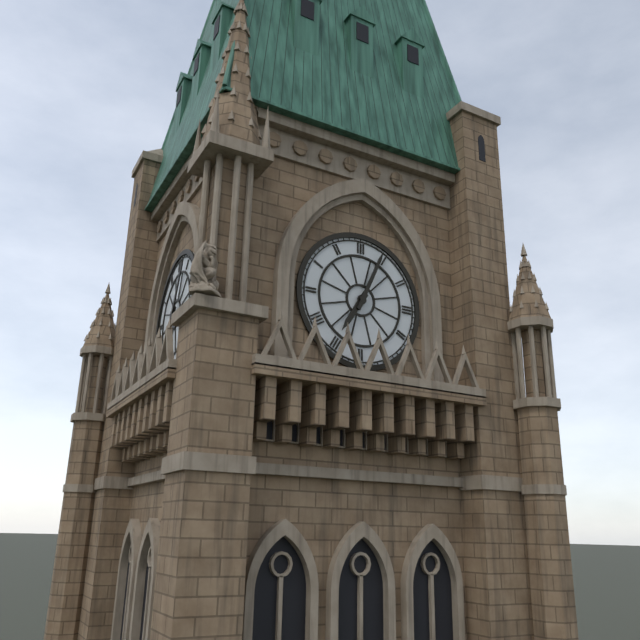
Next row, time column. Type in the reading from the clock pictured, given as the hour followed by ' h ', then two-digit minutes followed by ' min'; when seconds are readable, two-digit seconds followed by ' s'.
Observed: 7 h 04 min
